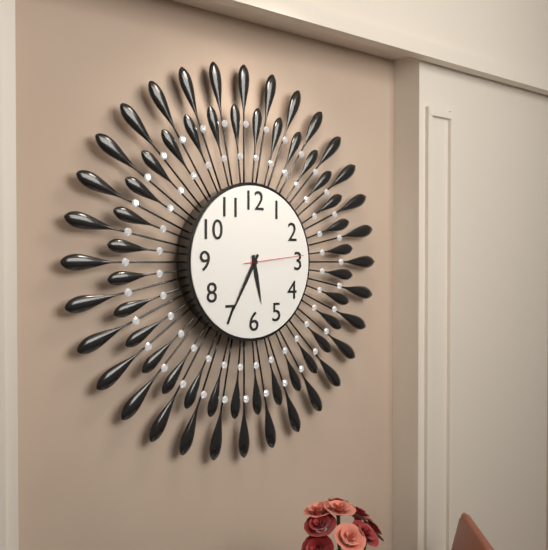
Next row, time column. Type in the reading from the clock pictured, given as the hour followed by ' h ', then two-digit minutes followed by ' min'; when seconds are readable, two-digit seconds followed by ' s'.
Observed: 5 h 35 min 14 s
